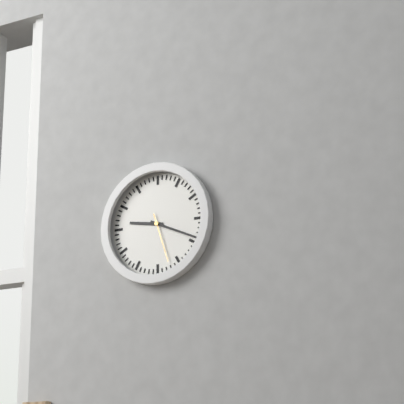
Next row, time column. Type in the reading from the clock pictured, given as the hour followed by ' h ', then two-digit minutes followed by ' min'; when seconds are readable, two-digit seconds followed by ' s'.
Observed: 9 h 19 min
